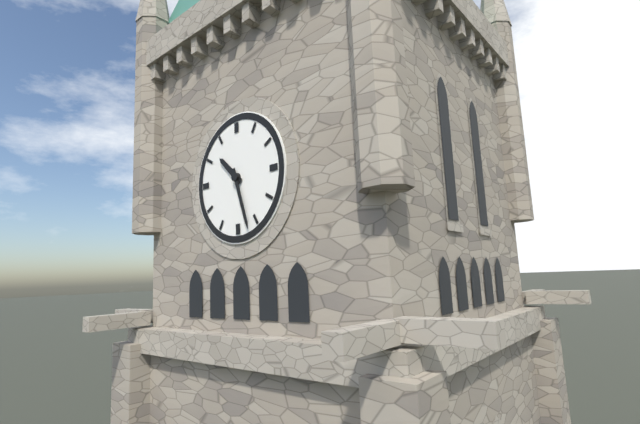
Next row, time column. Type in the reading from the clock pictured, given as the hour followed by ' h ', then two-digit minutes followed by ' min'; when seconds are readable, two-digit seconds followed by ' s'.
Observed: 10 h 27 min
